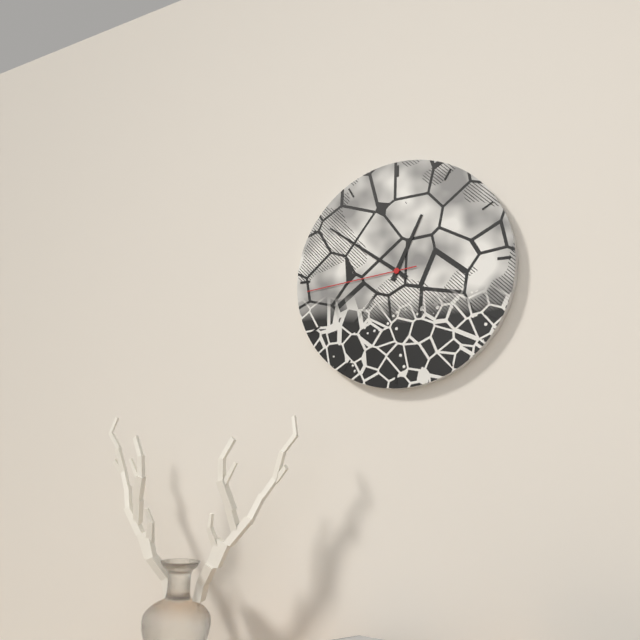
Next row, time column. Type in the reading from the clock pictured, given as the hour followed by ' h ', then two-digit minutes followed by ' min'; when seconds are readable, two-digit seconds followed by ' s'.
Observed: 12 h 51 min 44 s
